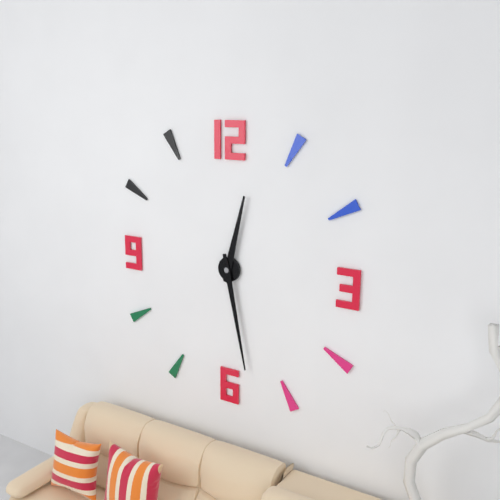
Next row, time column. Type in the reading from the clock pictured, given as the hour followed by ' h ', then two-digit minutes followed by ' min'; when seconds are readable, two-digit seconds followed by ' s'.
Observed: 12 h 28 min
